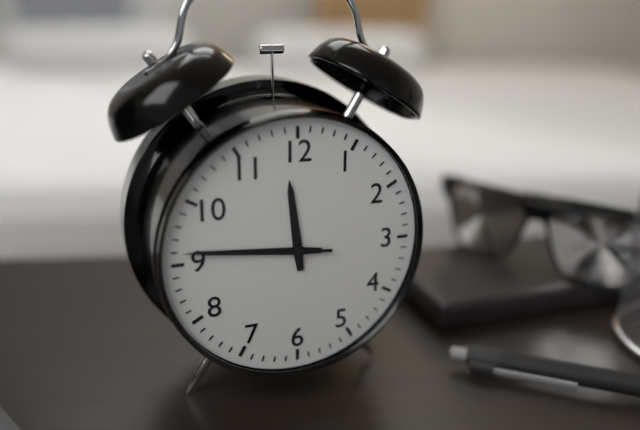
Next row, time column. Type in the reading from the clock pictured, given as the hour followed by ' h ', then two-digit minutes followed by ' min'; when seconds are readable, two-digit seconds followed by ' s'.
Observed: 11 h 46 min 46 s
